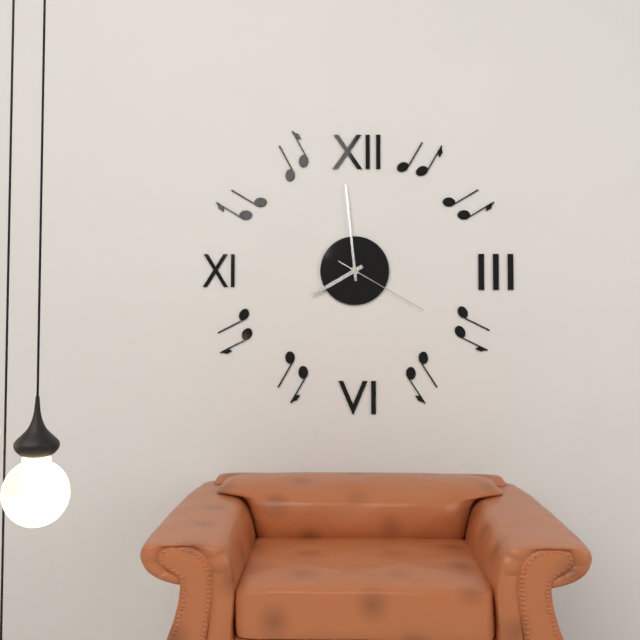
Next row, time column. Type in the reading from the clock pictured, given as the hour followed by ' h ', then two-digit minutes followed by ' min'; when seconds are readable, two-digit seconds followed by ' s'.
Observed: 7 h 59 min 20 s
